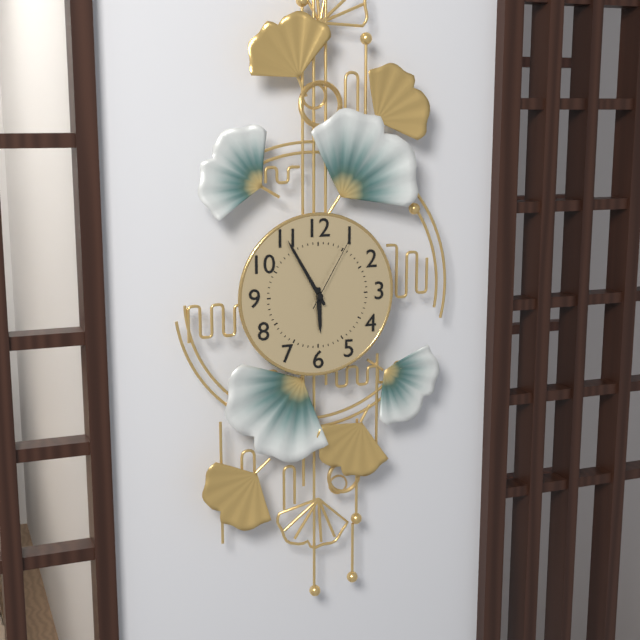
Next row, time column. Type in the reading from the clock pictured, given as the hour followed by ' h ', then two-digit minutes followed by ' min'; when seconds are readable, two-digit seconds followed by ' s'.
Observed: 5 h 55 min 05 s
